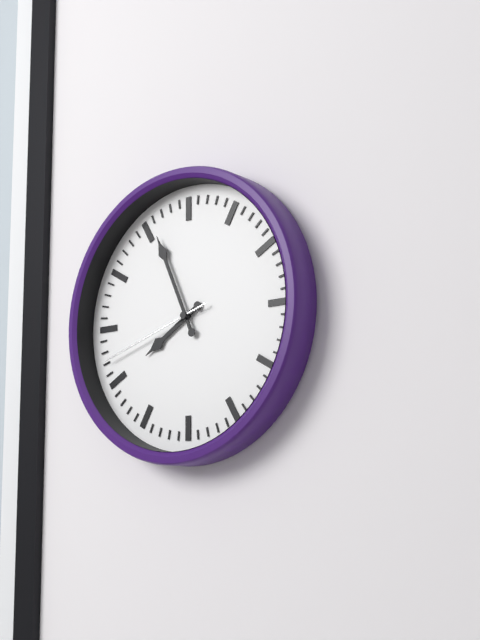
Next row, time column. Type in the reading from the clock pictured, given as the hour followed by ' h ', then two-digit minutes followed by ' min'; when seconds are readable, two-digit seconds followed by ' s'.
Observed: 7 h 56 min 42 s
